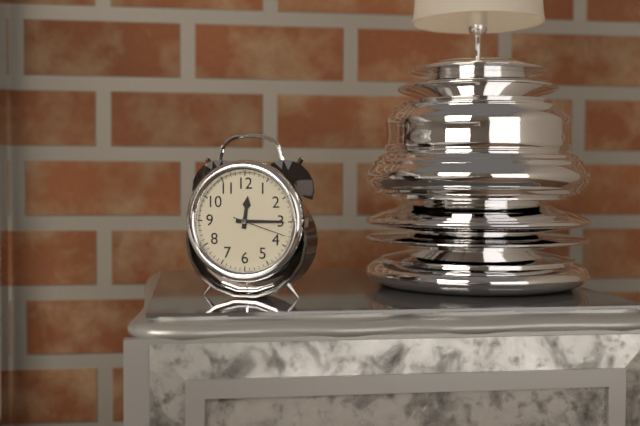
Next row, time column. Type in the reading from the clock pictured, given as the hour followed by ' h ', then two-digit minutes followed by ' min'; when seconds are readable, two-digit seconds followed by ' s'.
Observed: 12 h 15 min 18 s
